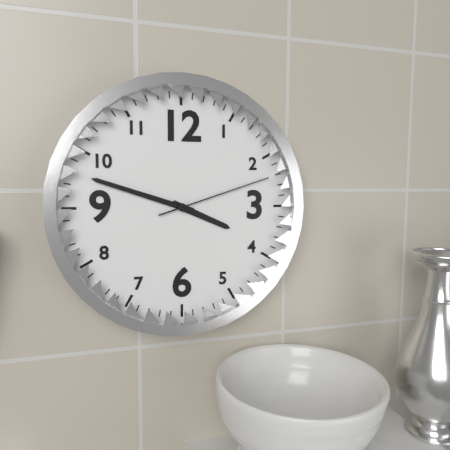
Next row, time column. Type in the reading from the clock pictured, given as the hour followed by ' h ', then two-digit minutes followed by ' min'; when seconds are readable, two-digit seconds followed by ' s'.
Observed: 3 h 48 min 12 s
